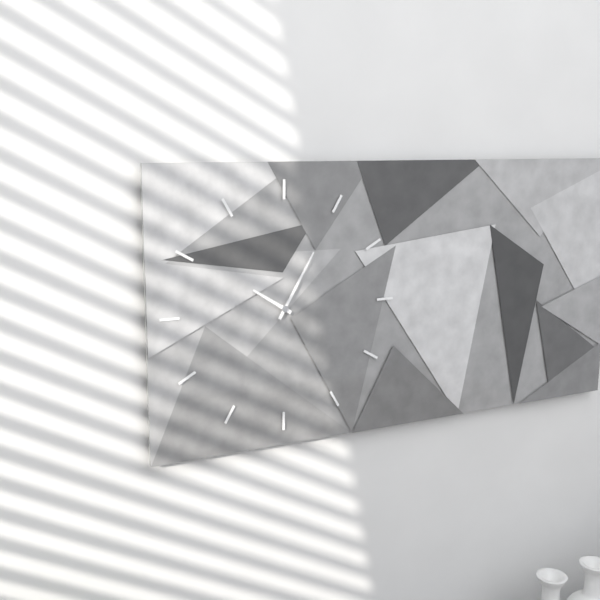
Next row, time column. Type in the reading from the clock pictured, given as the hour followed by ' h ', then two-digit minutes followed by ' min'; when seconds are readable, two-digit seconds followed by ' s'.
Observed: 10 h 05 min
